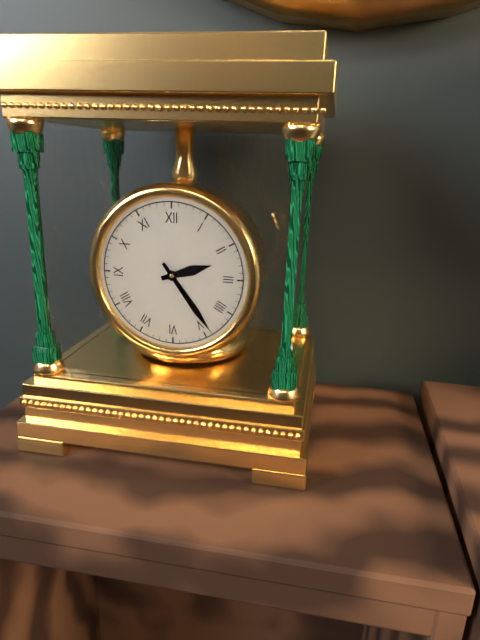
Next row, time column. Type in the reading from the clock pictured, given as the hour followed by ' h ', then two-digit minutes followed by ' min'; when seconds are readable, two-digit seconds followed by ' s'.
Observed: 2 h 24 min
